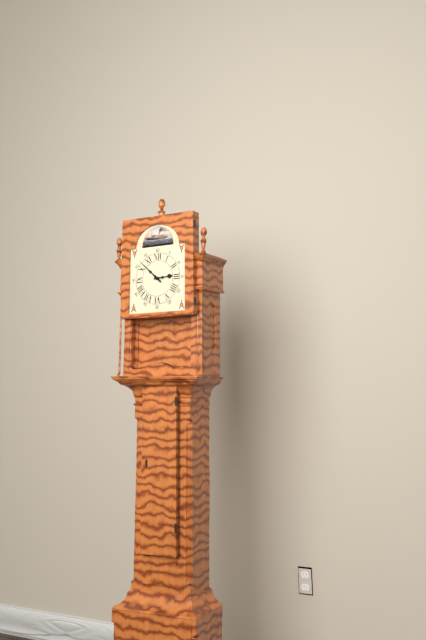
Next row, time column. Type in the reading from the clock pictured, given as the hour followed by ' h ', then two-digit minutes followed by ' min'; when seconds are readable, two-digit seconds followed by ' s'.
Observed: 2 h 52 min
